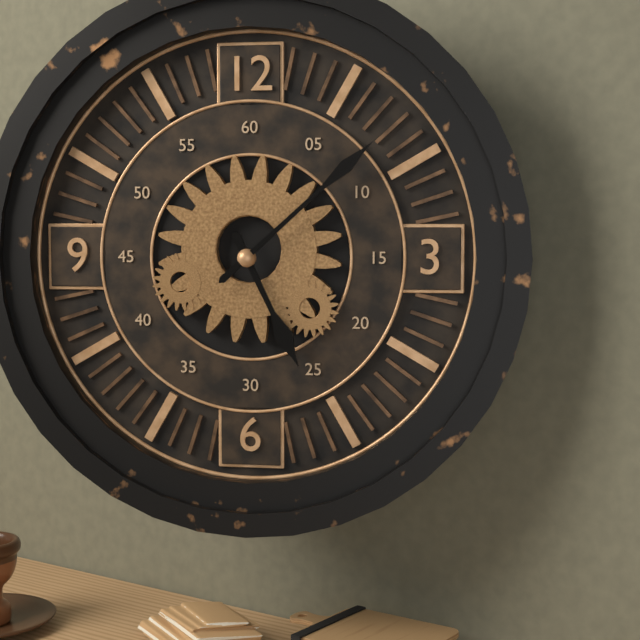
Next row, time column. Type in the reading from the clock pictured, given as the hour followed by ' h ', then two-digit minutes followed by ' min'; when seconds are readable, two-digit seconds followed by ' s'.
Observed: 5 h 08 min
